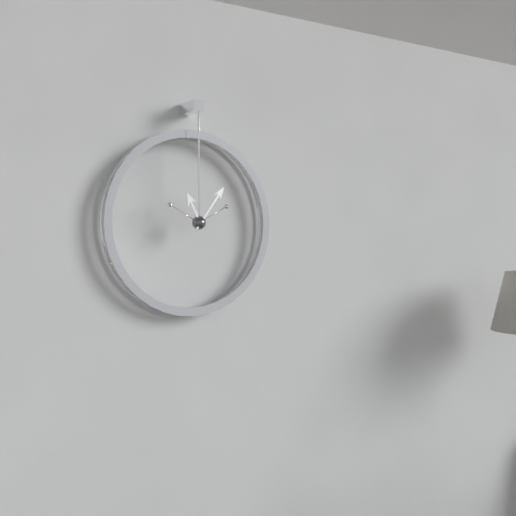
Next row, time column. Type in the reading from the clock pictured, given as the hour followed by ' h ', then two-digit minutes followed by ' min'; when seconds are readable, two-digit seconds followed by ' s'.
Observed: 11 h 06 min
